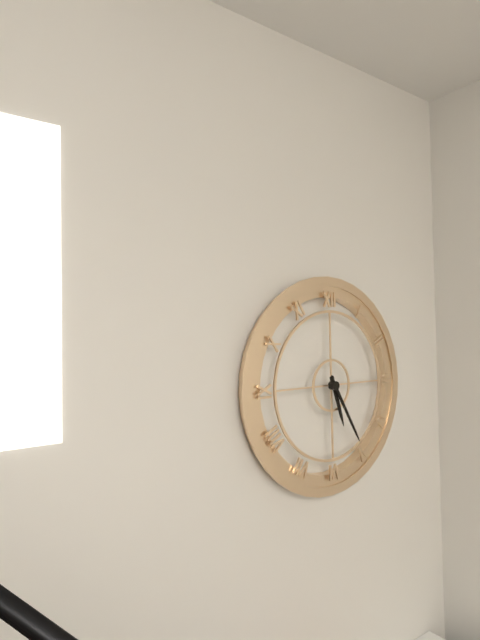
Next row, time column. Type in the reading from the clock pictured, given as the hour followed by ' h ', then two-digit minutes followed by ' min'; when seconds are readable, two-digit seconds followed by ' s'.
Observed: 5 h 25 min
